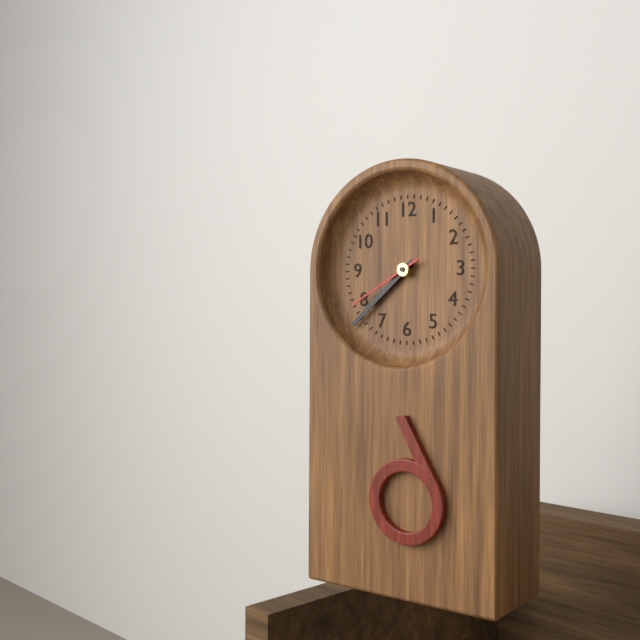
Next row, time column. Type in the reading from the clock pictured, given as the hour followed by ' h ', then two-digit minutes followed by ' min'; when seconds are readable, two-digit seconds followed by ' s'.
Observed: 7 h 38 min 40 s
